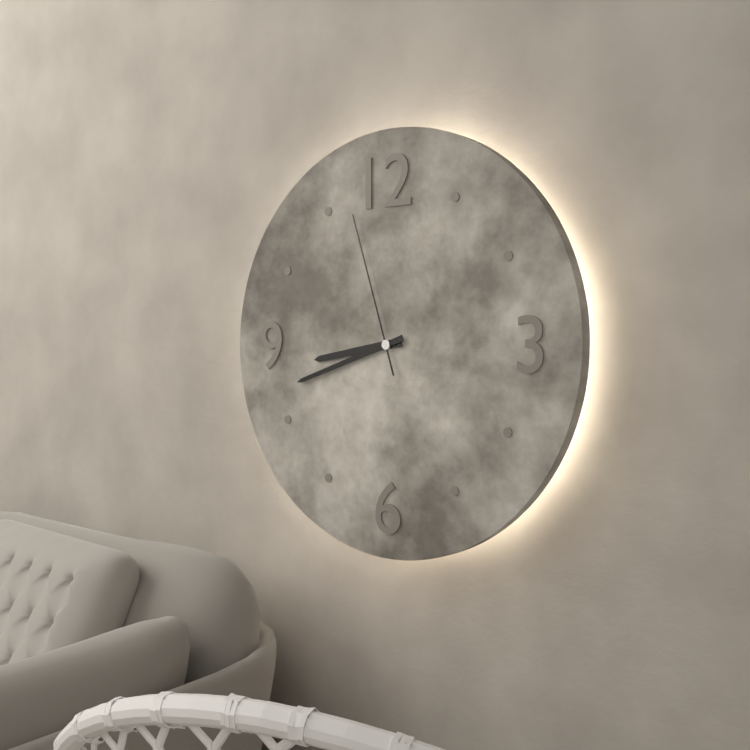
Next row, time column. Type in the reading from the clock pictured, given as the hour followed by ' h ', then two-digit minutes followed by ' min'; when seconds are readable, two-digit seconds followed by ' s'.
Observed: 8 h 42 min 57 s
